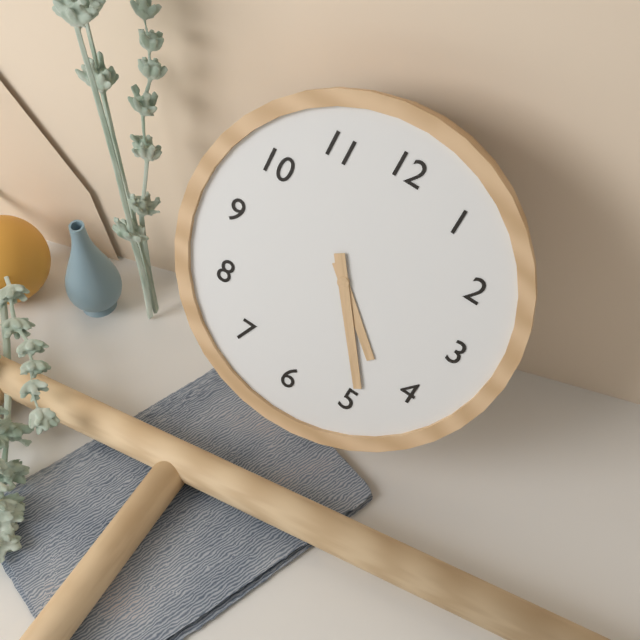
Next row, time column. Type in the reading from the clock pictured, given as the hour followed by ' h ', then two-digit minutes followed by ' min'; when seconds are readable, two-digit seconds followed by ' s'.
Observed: 4 h 24 min
